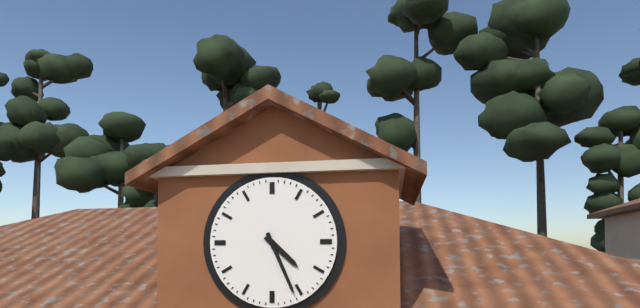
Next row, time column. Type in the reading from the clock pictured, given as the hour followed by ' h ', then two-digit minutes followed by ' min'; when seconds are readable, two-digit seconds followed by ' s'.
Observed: 4 h 26 min
